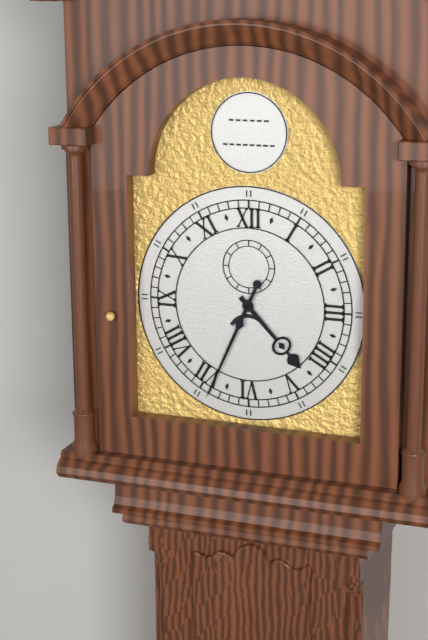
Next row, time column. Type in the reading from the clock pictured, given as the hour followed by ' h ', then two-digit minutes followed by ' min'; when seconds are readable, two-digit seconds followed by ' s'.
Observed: 4 h 34 min
